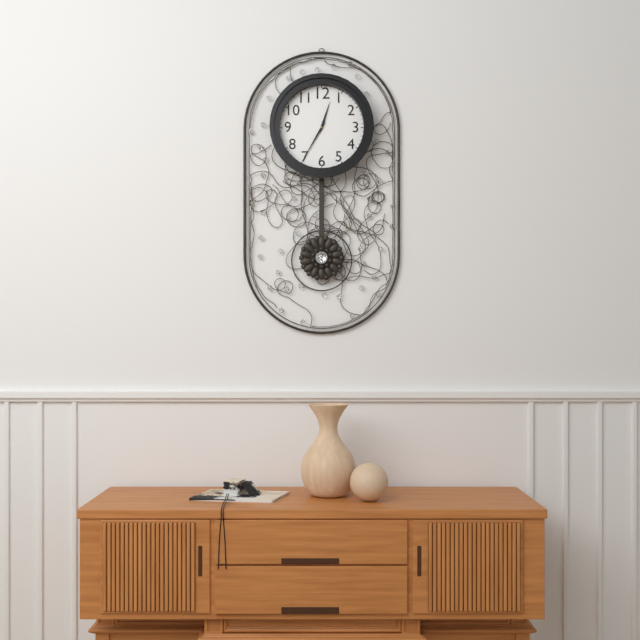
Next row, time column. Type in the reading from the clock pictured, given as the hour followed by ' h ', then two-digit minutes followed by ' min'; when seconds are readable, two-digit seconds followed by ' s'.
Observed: 12 h 35 min
